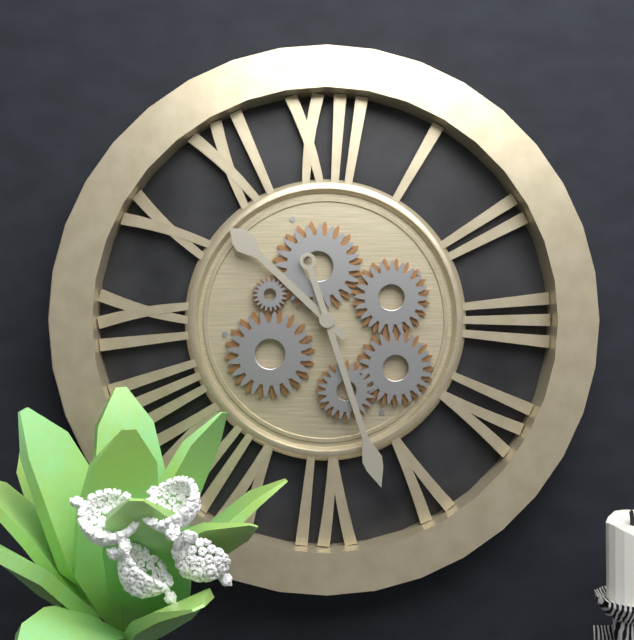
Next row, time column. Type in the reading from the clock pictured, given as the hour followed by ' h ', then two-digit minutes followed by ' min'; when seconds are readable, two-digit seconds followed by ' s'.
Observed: 10 h 27 min
